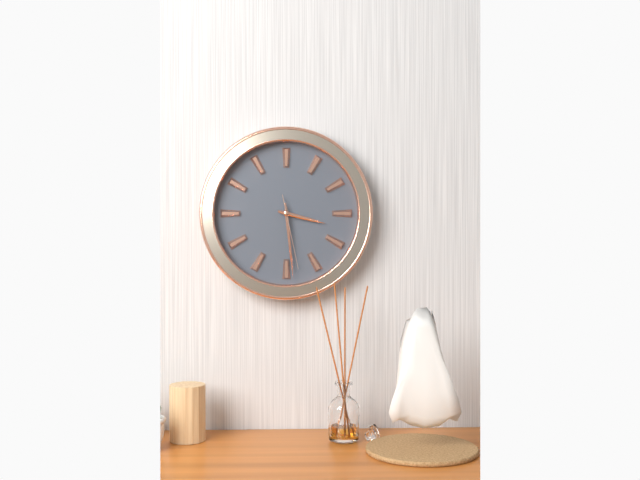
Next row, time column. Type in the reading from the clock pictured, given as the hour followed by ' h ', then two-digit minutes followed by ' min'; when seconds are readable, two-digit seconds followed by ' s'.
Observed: 3 h 29 min 28 s
